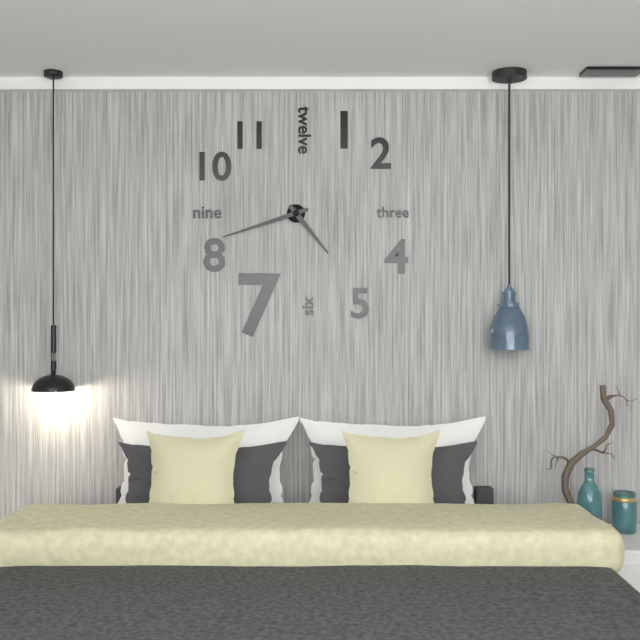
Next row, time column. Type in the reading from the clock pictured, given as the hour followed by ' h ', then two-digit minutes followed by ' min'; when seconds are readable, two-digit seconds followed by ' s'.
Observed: 4 h 42 min
